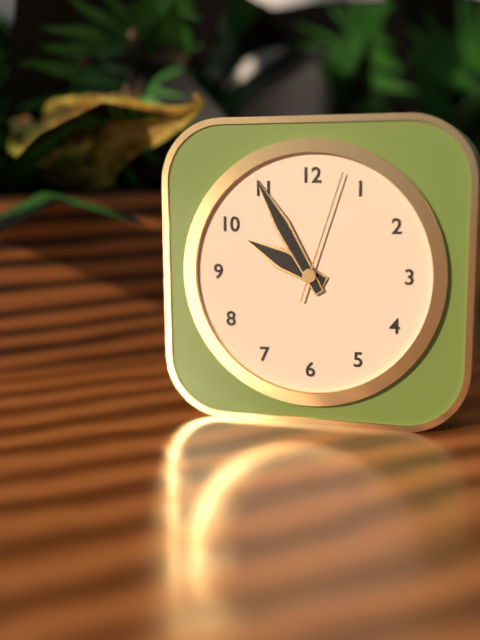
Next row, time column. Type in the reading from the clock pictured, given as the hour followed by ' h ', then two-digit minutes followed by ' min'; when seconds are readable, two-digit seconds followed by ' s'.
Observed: 9 h 55 min 03 s
